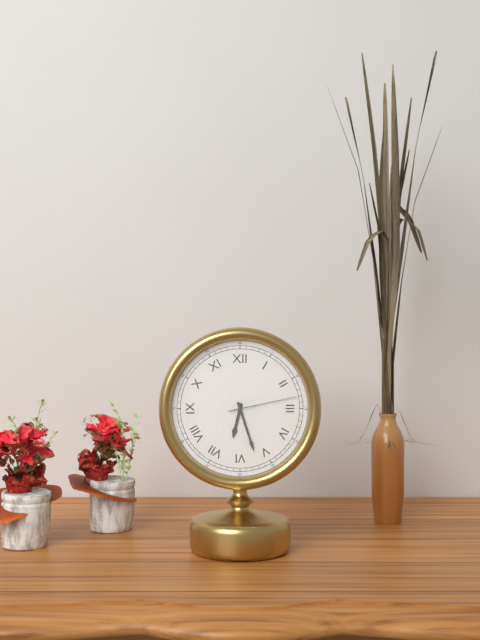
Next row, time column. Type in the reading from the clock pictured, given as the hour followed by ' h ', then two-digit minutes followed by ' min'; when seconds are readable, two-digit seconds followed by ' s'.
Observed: 6 h 27 min 13 s
